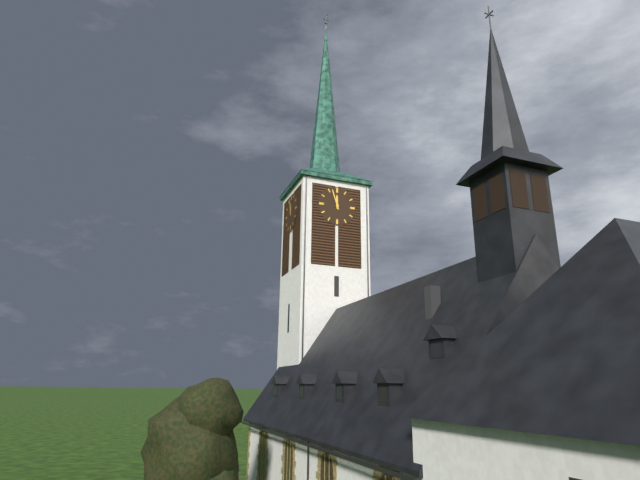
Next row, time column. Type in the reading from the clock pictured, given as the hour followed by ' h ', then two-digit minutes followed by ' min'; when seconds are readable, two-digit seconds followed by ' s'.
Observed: 11 h 57 min
